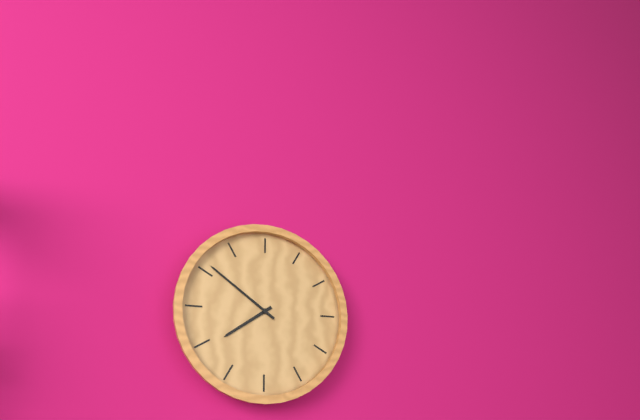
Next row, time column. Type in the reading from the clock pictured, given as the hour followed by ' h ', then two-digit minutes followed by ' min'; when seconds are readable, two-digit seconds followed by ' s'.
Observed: 7 h 51 min
